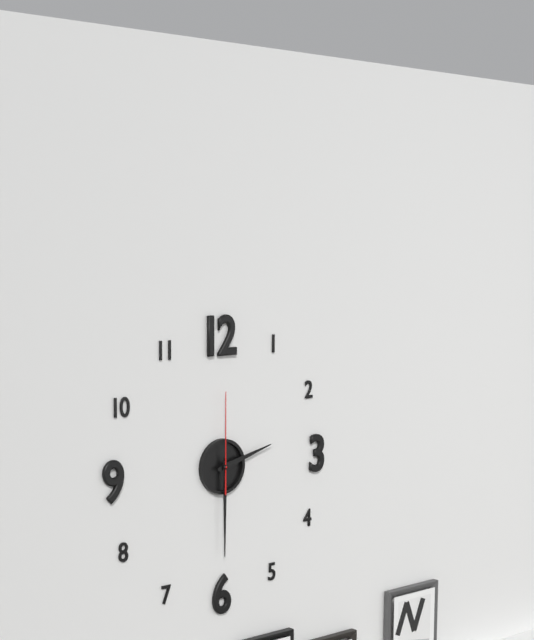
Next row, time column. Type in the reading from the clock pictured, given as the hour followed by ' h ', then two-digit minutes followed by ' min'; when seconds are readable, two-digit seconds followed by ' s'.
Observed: 2 h 30 min 00 s
